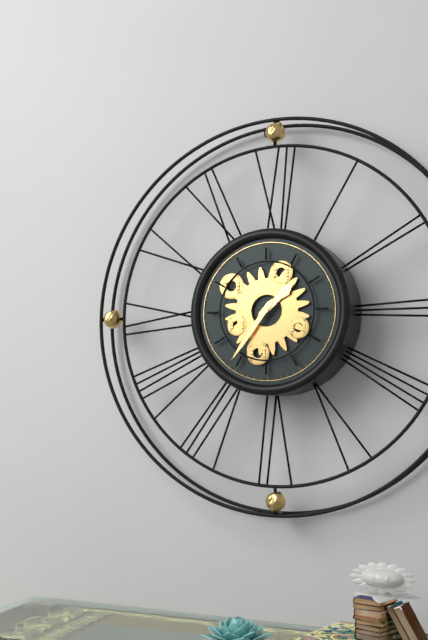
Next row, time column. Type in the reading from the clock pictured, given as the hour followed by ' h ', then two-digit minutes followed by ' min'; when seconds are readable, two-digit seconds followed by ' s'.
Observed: 1 h 36 min
